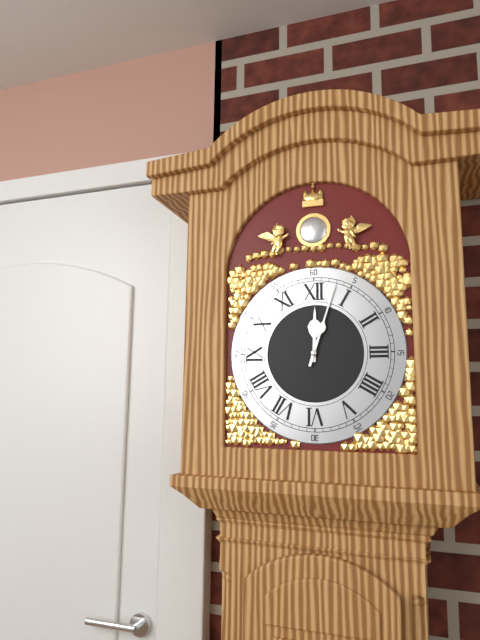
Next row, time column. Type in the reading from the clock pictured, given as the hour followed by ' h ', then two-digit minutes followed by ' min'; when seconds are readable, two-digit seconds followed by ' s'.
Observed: 12 h 03 min
